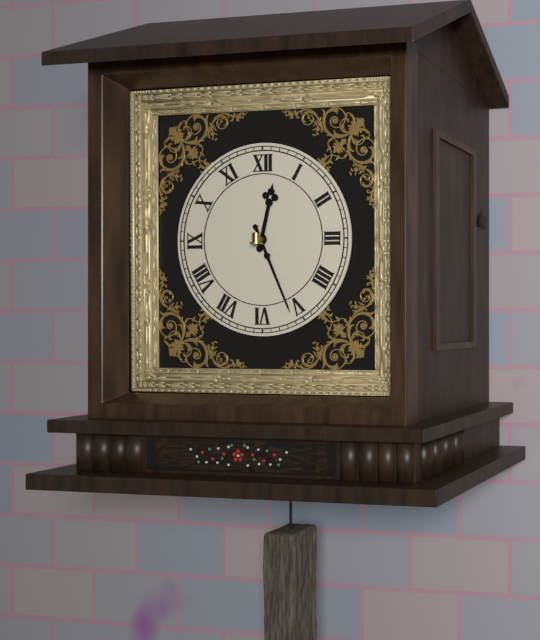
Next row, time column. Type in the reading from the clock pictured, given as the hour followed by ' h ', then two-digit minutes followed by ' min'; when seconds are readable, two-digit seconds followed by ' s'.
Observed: 12 h 26 min
